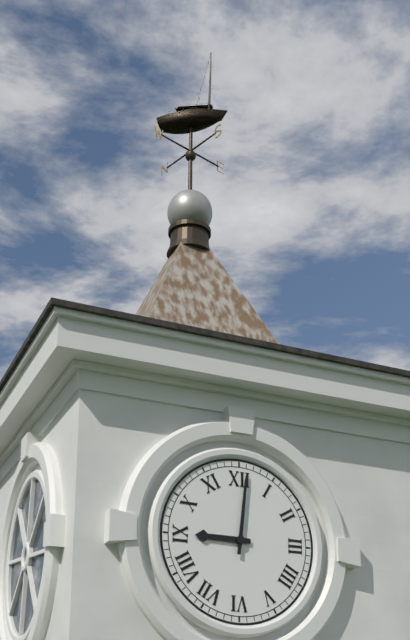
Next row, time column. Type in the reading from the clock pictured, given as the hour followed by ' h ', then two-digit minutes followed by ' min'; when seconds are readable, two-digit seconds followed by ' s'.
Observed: 9 h 01 min
